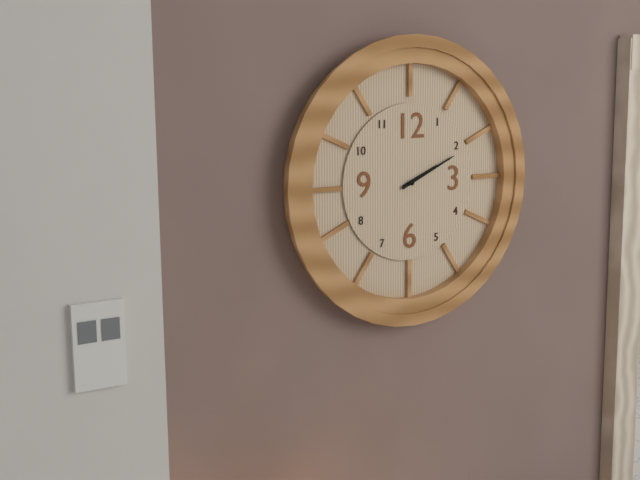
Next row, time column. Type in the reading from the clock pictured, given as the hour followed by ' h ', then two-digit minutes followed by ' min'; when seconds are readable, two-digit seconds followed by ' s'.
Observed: 2 h 11 min
